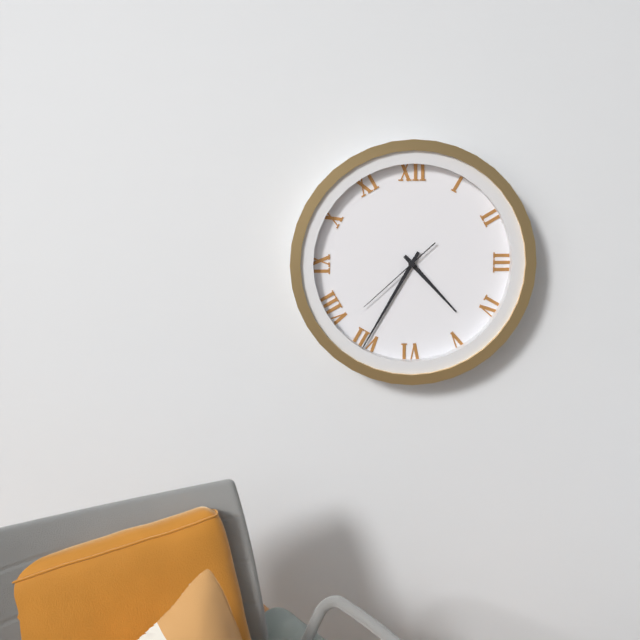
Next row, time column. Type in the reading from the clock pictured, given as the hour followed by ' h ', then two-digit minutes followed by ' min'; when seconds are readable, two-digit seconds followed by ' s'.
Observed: 4 h 35 min 38 s
